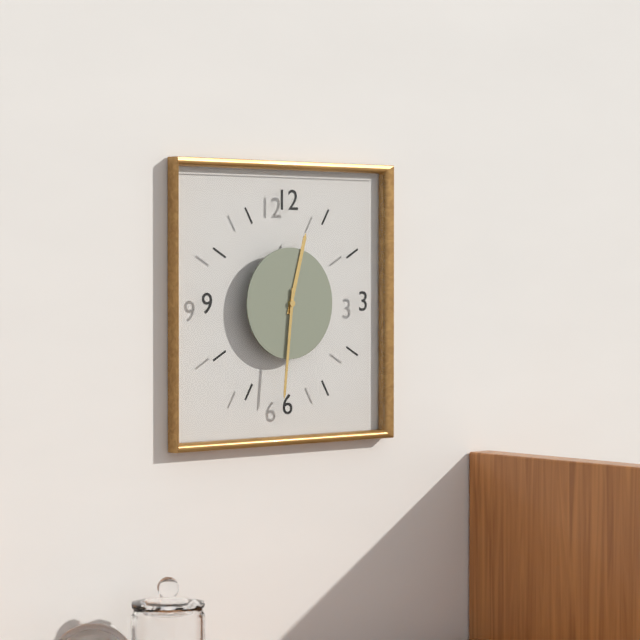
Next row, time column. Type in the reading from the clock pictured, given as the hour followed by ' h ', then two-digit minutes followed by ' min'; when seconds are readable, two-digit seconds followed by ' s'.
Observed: 12 h 31 min
